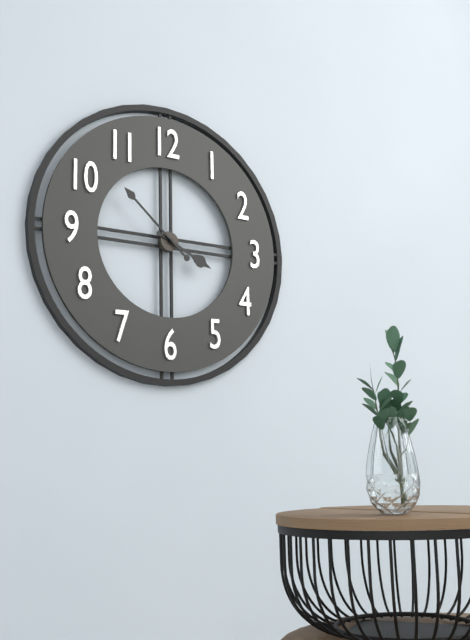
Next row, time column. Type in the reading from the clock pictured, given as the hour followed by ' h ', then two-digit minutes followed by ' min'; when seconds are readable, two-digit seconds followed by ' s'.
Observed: 3 h 52 min
